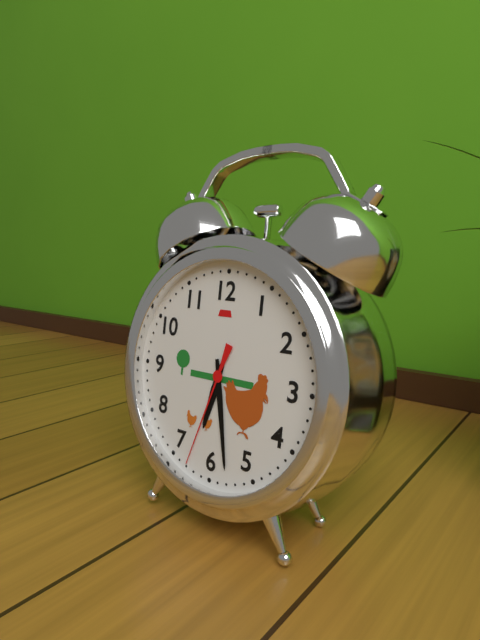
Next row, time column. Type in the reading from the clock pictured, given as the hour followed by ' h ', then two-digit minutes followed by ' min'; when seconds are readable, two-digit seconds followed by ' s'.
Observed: 6 h 28 min 33 s
